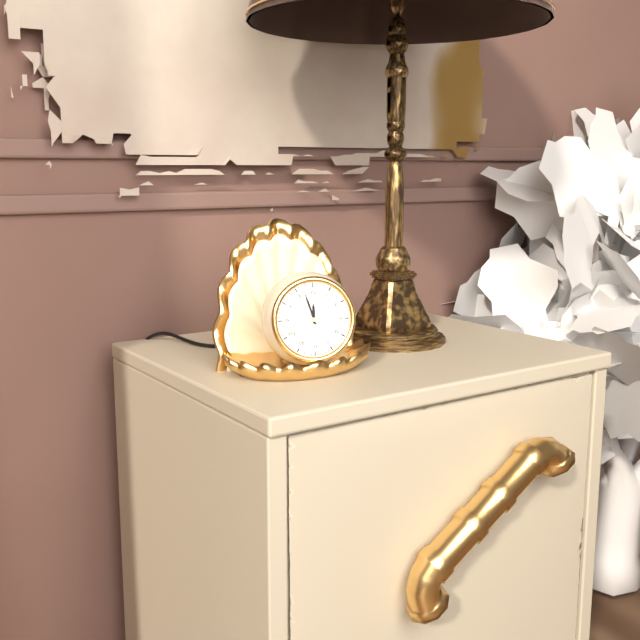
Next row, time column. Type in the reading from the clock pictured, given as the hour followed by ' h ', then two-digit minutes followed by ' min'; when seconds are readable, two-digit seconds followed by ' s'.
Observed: 11 h 57 min
